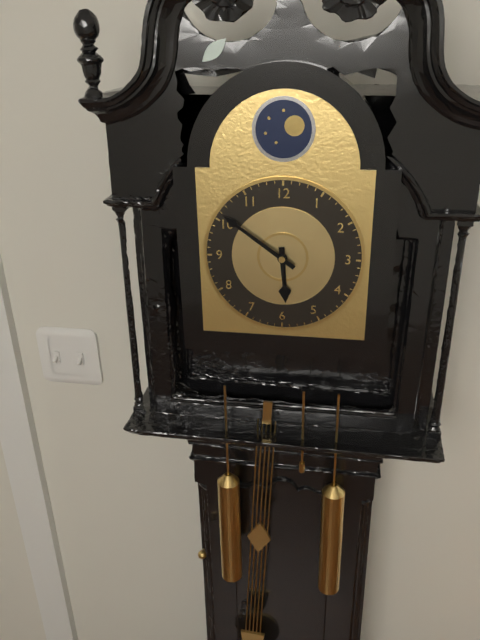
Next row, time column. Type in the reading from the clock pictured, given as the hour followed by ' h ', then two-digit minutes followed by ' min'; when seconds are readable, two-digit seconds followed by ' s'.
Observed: 5 h 51 min
